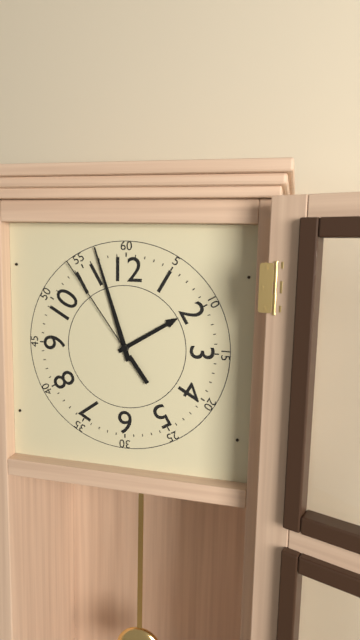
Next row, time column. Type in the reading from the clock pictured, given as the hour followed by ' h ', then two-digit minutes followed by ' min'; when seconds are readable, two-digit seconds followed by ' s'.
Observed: 1 h 57 min 54 s
